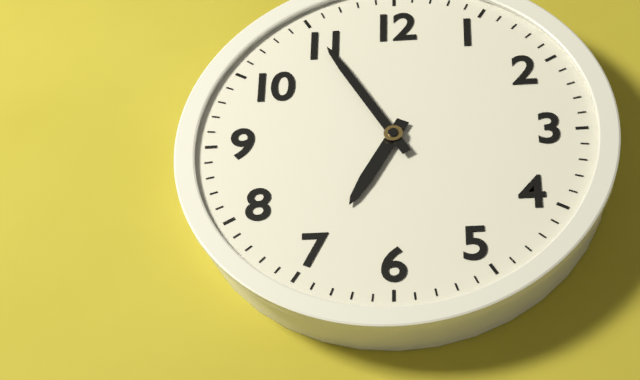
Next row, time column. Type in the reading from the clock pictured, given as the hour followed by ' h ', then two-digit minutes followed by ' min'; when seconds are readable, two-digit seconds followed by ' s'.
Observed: 6 h 55 min
